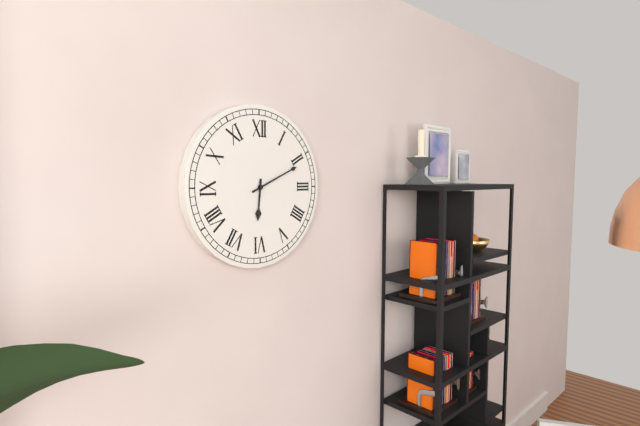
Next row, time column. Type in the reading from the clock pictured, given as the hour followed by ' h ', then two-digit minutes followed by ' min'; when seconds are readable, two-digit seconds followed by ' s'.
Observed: 6 h 11 min
